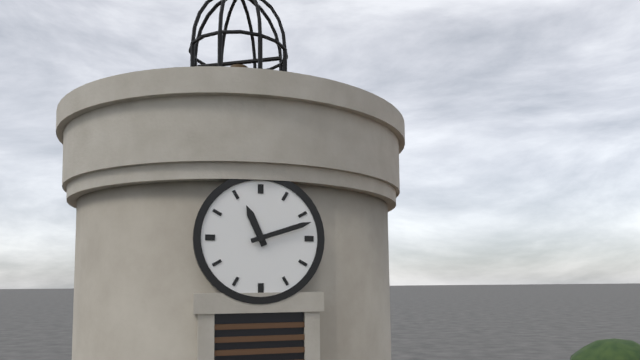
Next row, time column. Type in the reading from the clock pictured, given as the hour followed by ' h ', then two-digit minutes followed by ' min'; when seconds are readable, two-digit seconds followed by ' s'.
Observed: 11 h 12 min
